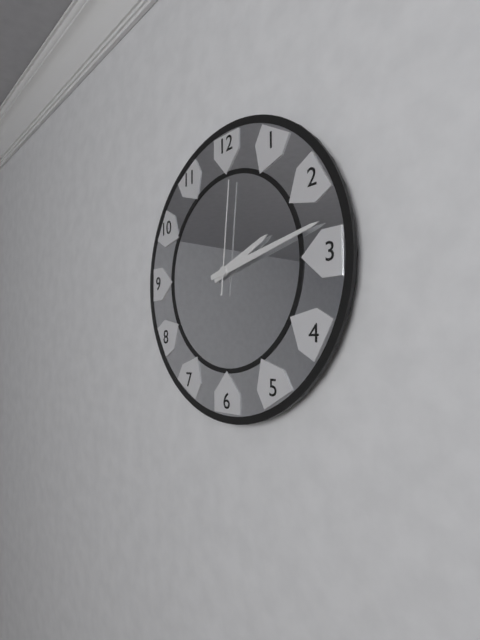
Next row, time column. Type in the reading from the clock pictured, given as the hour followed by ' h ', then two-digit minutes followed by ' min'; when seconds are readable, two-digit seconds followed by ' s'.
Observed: 2 h 13 min 01 s
